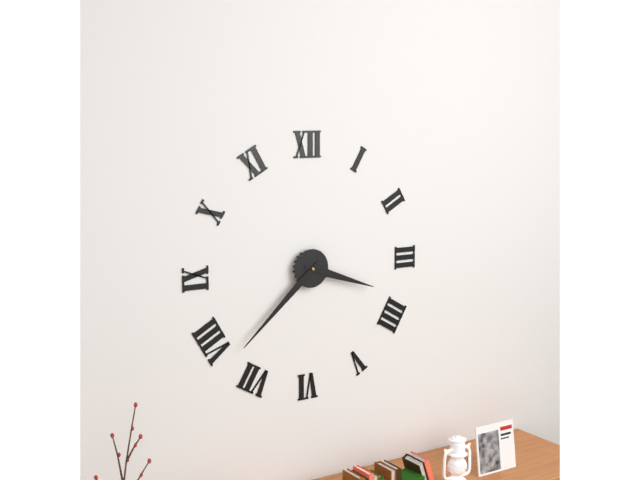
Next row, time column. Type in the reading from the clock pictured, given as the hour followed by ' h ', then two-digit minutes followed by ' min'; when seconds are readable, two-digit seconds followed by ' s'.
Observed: 3 h 38 min
